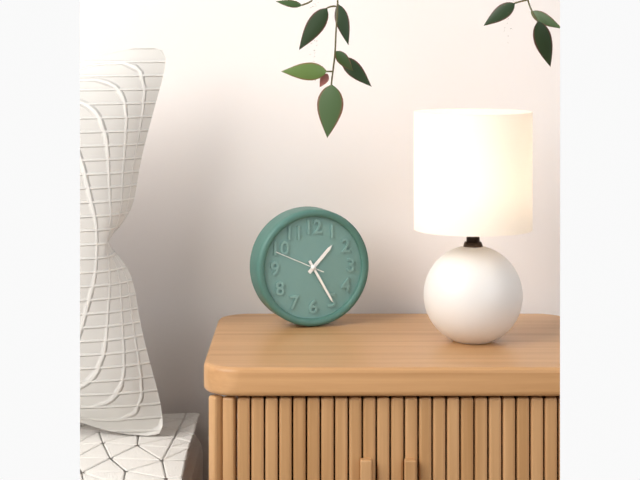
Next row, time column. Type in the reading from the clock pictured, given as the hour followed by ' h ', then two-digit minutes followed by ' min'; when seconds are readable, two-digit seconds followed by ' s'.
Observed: 1 h 25 min 49 s
